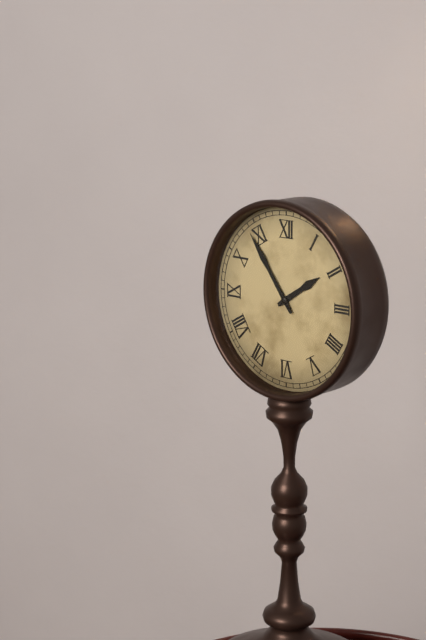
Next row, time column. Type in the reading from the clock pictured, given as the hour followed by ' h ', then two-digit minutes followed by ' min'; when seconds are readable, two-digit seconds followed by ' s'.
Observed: 1 h 54 min
